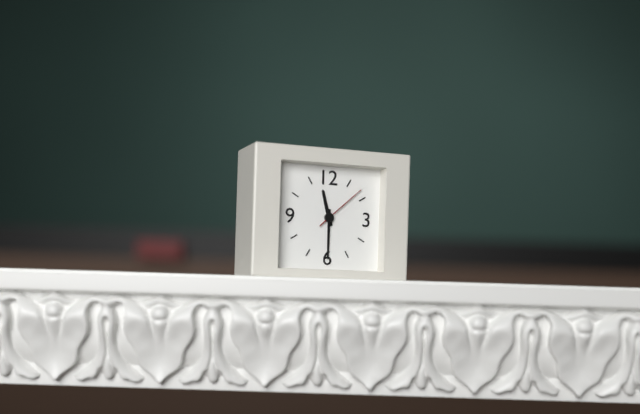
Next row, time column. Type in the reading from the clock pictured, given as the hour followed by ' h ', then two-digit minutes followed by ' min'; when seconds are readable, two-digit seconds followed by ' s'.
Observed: 11 h 30 min 08 s
